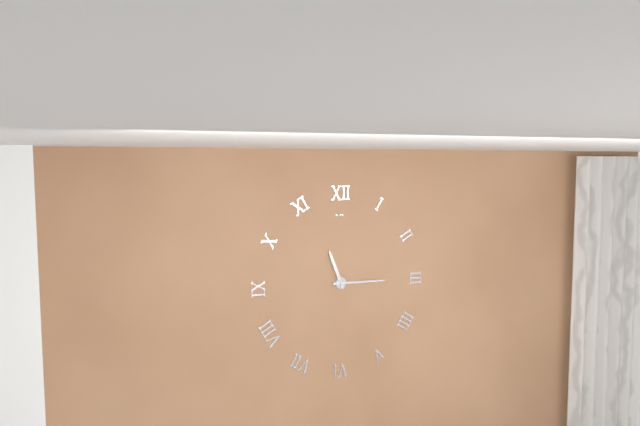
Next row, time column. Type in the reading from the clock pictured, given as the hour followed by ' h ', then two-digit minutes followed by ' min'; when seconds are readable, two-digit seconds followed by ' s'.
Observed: 11 h 15 min
